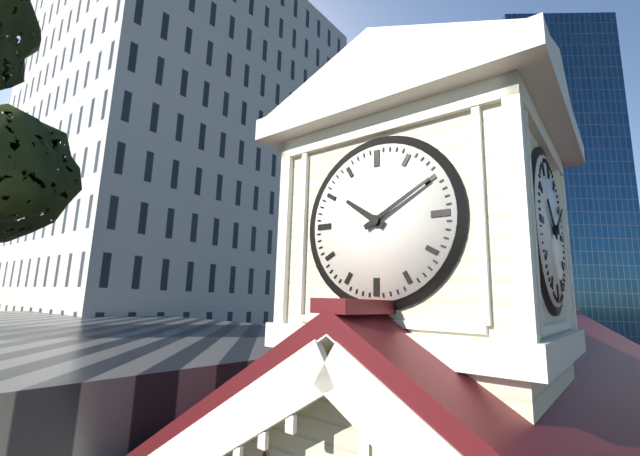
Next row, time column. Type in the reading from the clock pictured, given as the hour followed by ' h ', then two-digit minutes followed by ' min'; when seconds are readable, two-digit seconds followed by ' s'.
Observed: 10 h 10 min
